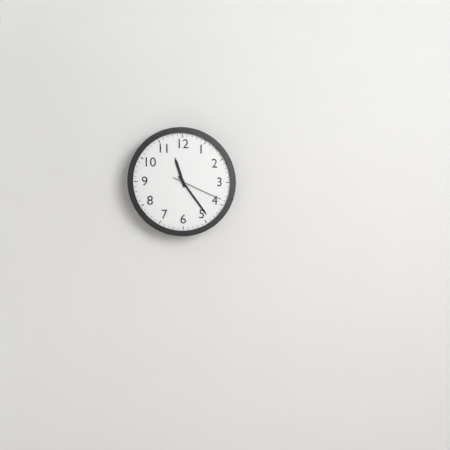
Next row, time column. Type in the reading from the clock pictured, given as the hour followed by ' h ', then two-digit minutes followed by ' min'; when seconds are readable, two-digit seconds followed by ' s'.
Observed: 11 h 24 min 19 s
